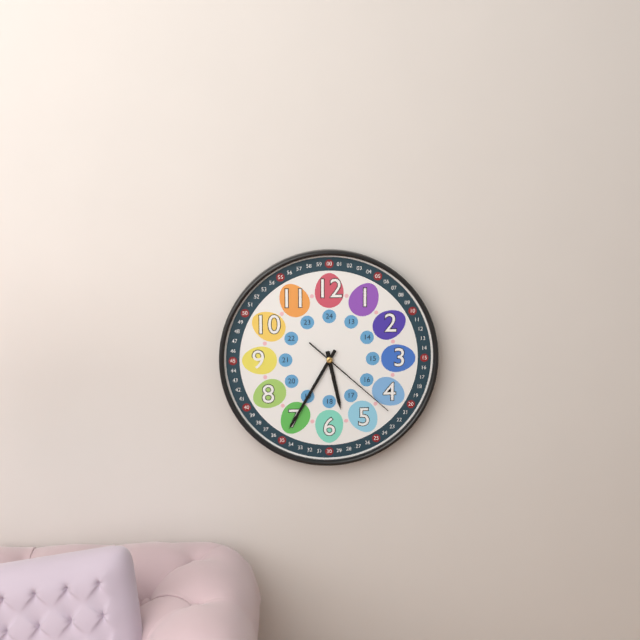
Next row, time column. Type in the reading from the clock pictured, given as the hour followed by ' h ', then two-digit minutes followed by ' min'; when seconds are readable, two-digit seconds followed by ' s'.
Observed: 5 h 35 min 22 s
